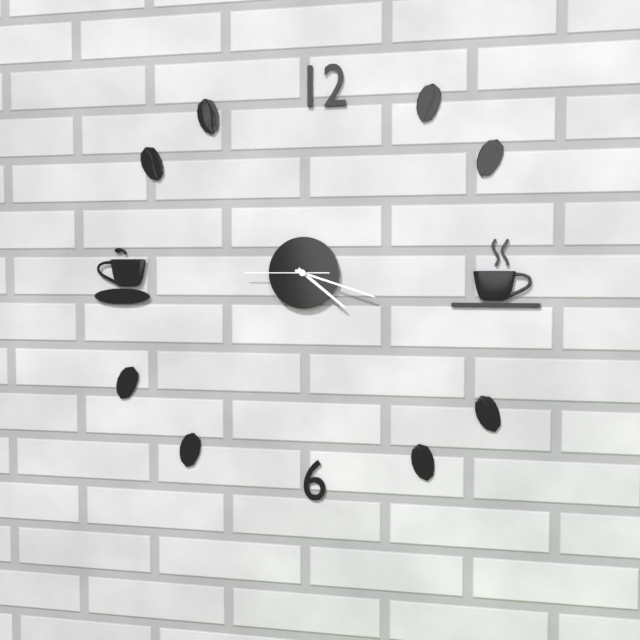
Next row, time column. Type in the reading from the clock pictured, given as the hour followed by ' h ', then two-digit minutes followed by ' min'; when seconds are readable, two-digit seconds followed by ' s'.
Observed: 4 h 18 min 45 s
